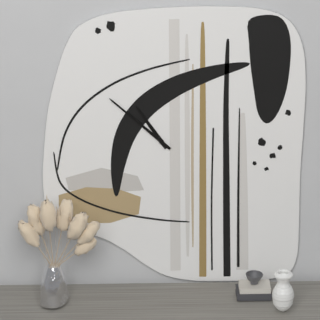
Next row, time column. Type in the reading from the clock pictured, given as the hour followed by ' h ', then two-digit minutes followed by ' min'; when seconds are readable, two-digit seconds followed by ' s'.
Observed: 10 h 52 min
